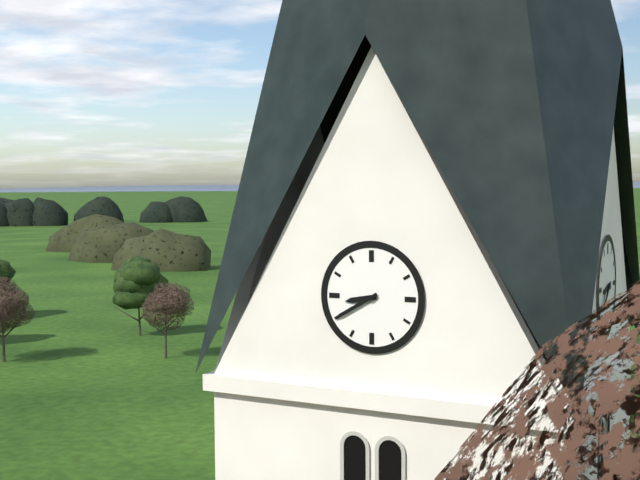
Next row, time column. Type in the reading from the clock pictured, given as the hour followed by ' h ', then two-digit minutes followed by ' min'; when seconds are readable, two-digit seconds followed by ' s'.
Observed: 8 h 40 min
